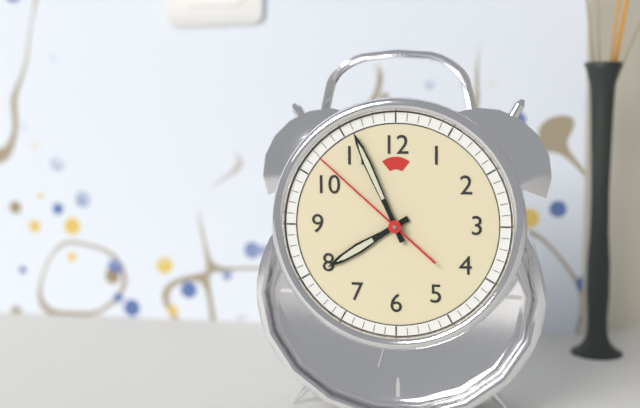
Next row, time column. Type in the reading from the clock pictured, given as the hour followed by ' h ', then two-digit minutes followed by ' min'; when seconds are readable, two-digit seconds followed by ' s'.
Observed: 7 h 56 min 52 s
